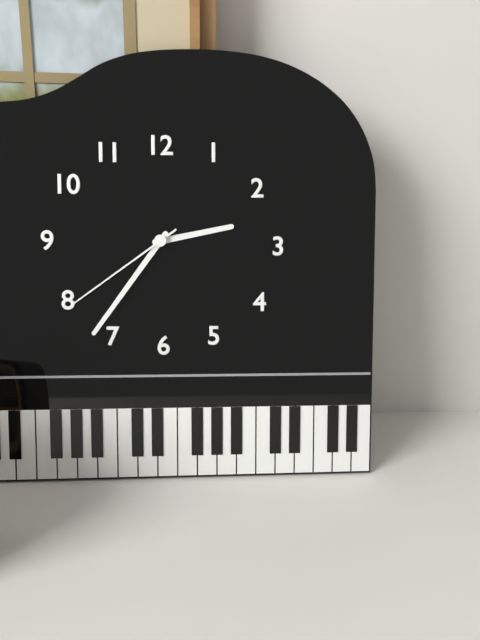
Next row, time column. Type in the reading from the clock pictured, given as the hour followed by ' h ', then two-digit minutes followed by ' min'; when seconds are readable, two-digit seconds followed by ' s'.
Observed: 2 h 36 min 39 s
